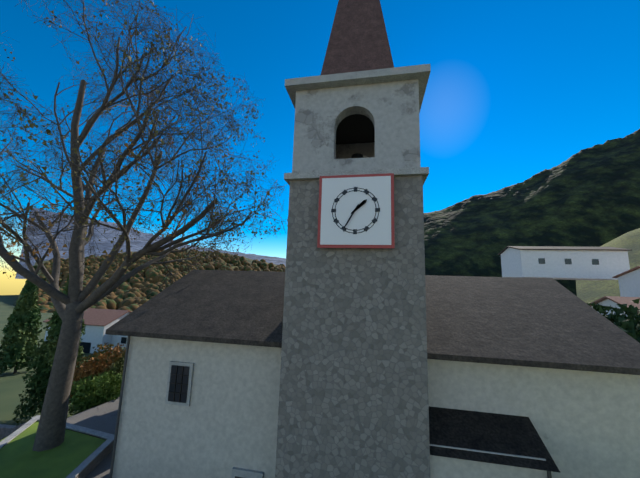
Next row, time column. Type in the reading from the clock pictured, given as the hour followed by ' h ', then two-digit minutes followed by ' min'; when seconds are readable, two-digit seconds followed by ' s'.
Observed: 1 h 35 min
